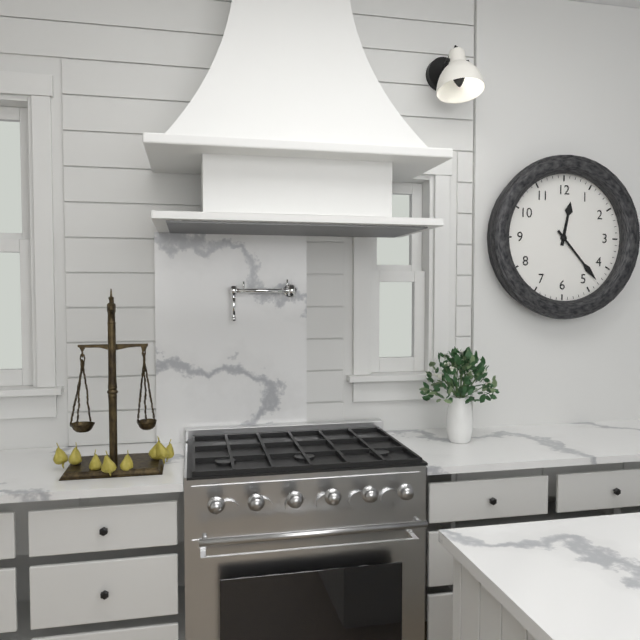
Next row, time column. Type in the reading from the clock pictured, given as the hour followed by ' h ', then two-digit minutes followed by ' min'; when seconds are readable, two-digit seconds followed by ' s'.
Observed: 12 h 23 min
